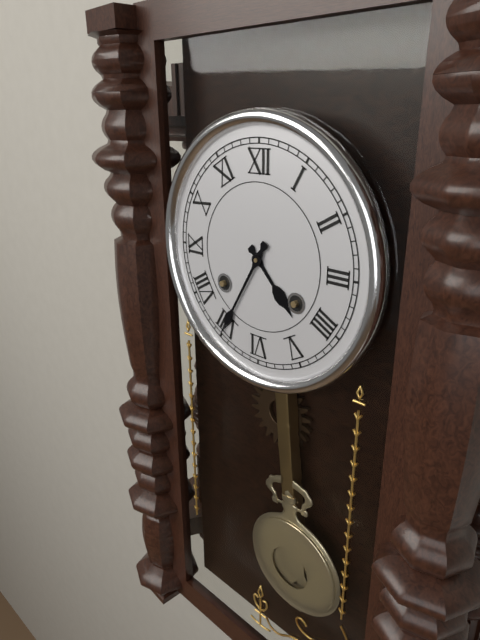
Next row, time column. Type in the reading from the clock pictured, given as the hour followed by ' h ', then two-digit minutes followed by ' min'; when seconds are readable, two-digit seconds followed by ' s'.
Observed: 4 h 35 min
